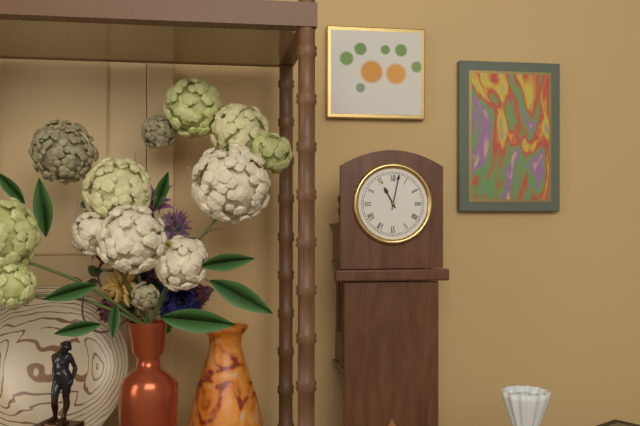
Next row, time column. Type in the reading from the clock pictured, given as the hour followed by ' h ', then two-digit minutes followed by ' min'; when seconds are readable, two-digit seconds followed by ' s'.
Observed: 11 h 02 min
